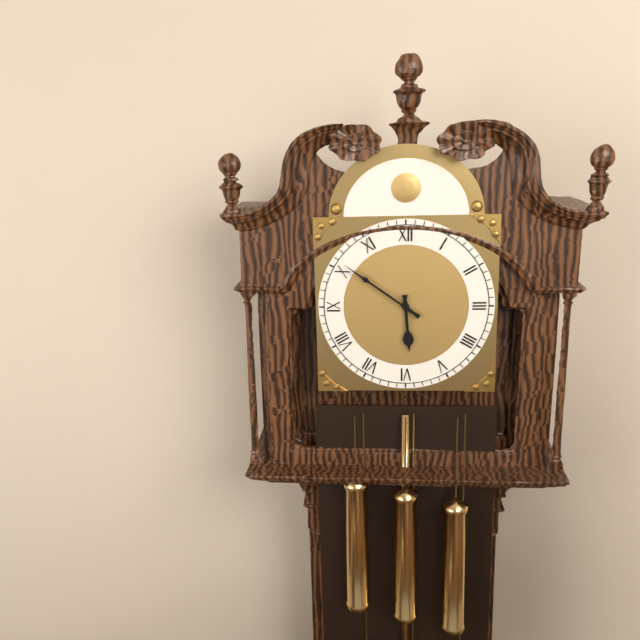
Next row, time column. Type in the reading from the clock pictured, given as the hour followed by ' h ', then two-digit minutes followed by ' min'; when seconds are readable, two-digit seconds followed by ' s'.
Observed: 5 h 51 min
